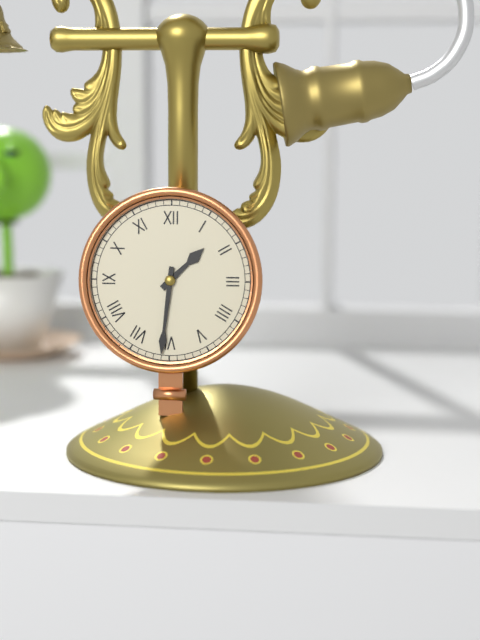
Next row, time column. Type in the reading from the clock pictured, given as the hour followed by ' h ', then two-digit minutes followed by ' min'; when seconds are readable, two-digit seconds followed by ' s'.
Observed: 1 h 31 min
